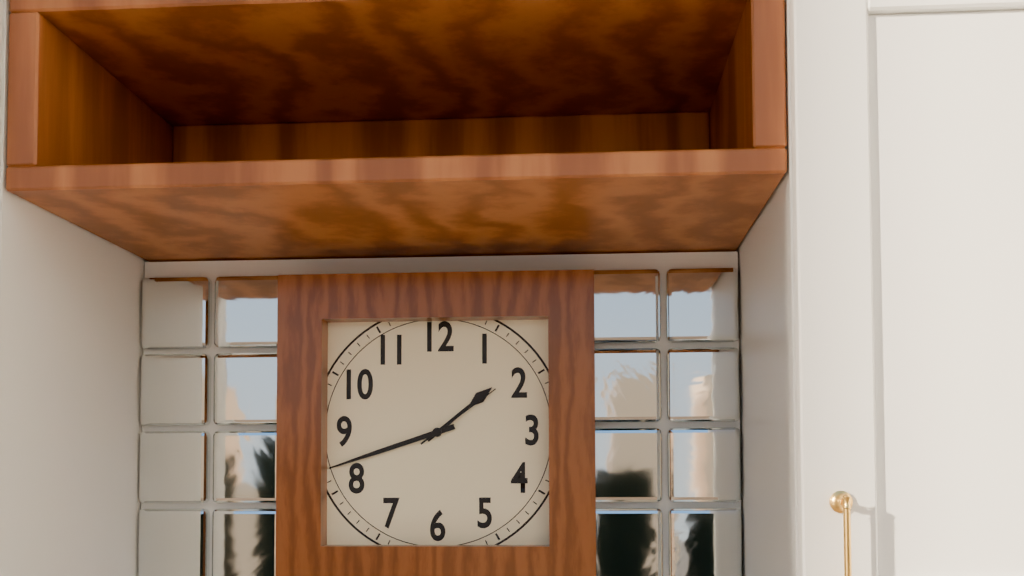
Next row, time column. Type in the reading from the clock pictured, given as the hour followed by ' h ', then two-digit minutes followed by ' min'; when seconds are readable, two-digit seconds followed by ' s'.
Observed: 1 h 42 min 09 s
